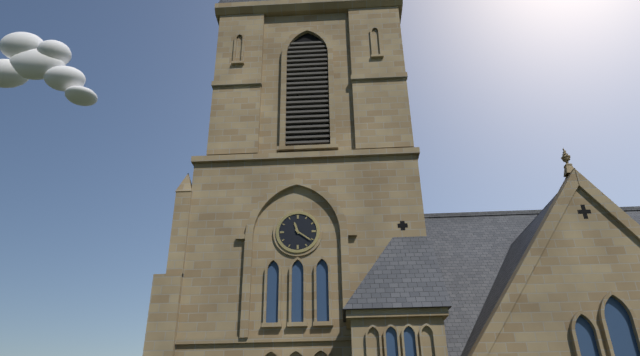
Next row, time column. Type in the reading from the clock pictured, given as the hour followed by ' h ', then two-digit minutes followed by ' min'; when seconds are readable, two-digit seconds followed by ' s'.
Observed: 11 h 21 min
